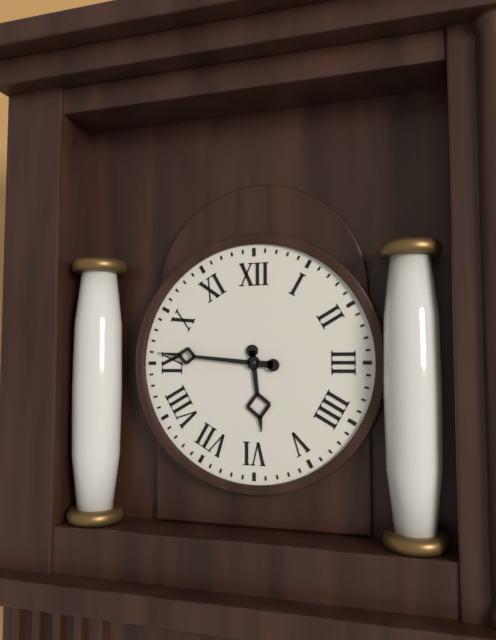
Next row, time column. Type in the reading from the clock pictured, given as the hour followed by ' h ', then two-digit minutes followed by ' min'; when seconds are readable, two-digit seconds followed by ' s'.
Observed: 5 h 46 min
